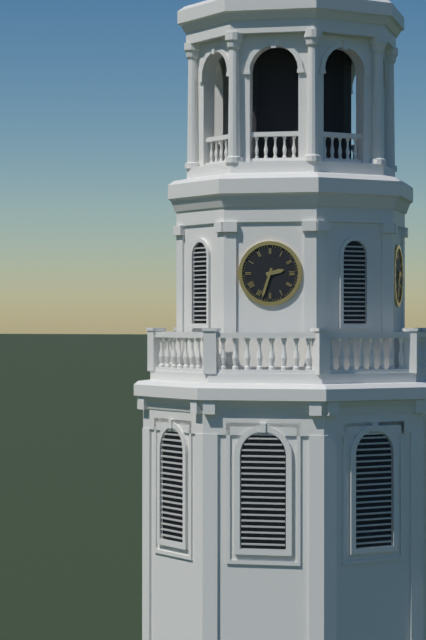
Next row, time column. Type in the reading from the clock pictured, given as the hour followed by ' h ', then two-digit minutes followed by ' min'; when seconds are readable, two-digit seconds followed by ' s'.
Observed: 2 h 33 min
